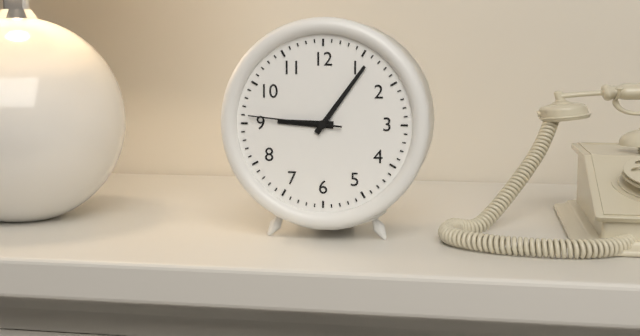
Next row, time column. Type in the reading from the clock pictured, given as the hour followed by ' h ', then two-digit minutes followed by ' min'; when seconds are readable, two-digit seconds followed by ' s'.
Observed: 9 h 06 min 46 s
